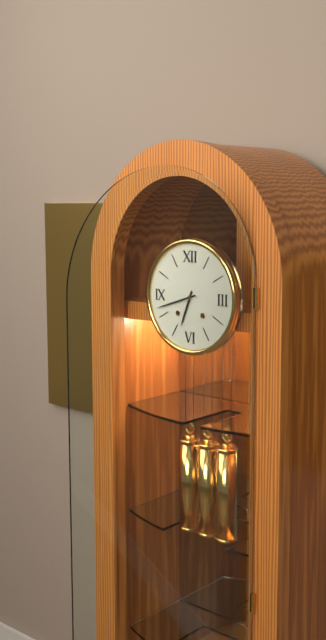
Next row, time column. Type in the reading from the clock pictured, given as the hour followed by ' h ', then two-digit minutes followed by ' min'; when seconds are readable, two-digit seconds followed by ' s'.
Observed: 6 h 42 min
